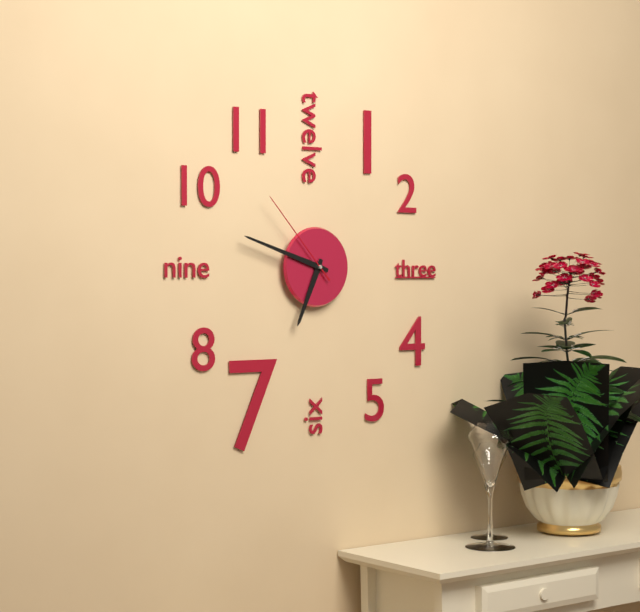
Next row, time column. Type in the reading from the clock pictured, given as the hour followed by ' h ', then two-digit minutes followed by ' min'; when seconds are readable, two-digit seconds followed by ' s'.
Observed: 6 h 48 min 53 s
